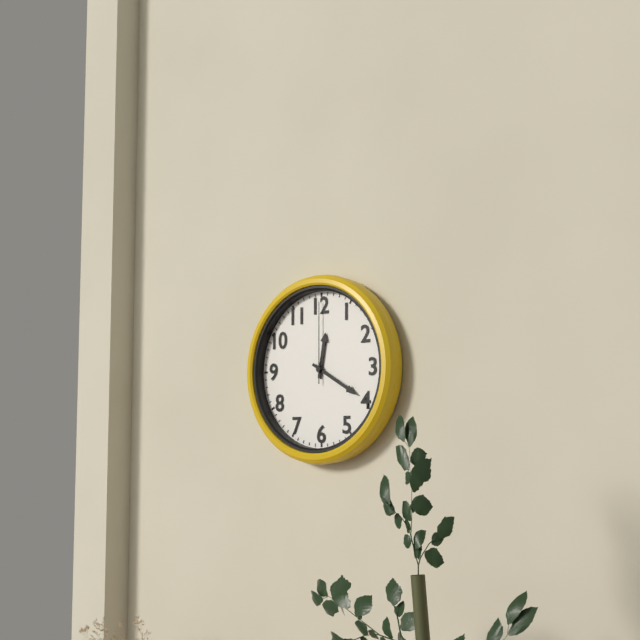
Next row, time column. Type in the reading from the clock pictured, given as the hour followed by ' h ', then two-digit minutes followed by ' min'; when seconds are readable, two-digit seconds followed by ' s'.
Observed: 12 h 20 min 00 s
